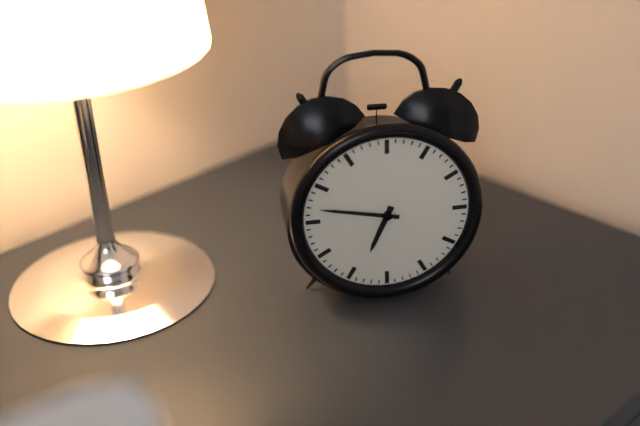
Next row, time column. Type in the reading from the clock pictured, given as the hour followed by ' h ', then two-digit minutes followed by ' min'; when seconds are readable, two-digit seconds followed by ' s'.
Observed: 6 h 47 min
